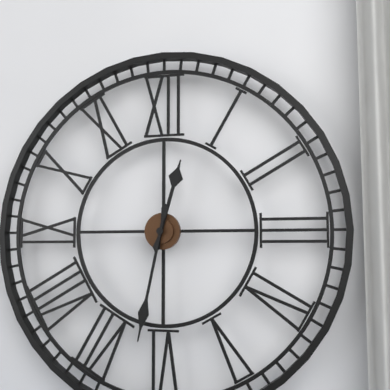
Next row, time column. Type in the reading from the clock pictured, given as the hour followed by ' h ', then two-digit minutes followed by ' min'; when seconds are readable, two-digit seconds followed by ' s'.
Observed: 12 h 32 min
